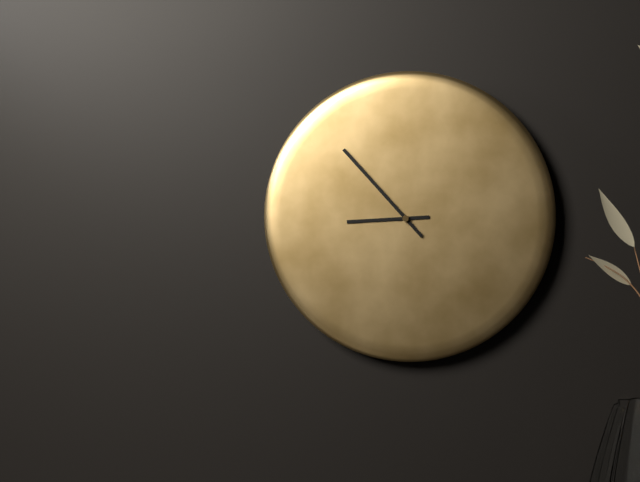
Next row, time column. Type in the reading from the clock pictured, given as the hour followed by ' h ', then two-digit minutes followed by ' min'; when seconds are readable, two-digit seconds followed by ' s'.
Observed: 8 h 53 min
